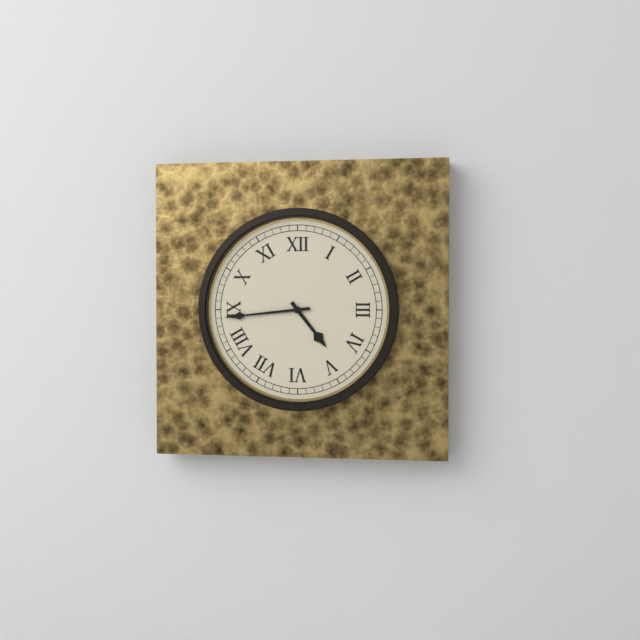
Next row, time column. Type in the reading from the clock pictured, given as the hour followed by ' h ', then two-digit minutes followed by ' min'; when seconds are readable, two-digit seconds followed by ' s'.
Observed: 4 h 44 min
